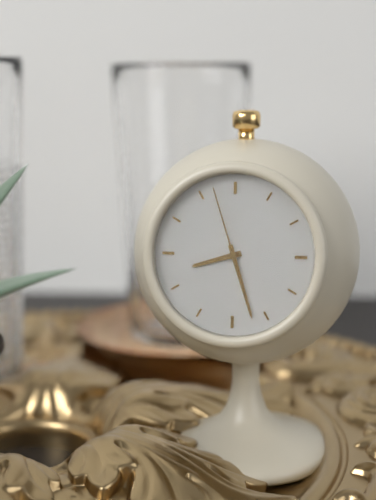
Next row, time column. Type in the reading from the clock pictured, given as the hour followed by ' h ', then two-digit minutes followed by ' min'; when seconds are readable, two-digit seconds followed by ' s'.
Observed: 8 h 27 min 57 s
